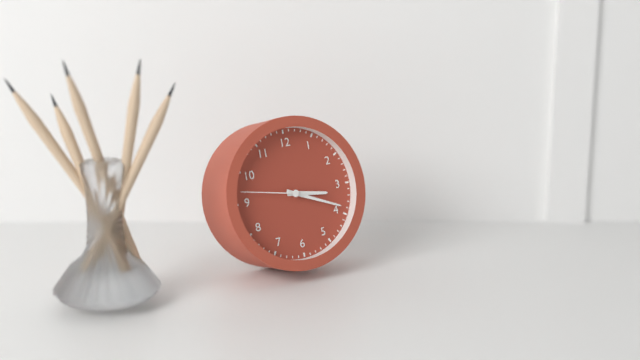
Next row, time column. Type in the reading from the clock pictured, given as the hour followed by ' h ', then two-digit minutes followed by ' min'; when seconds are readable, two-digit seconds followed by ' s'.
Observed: 3 h 19 min 47 s
